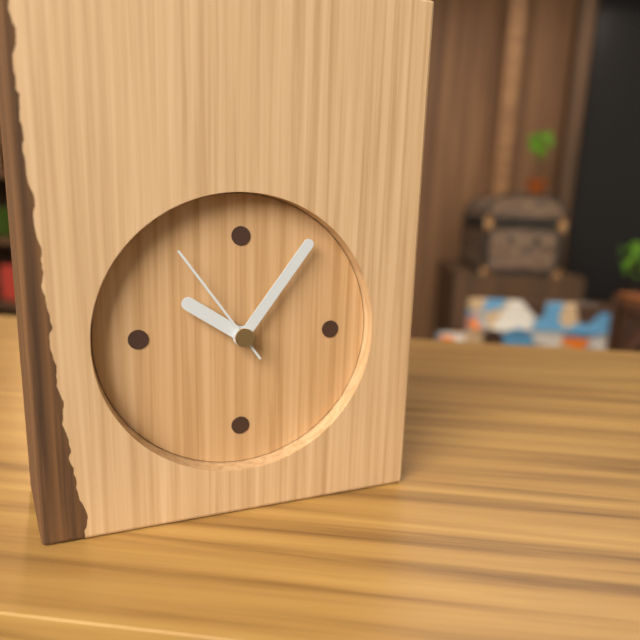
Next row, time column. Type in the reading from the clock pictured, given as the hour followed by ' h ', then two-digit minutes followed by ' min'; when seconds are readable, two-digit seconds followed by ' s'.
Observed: 10 h 06 min 54 s
